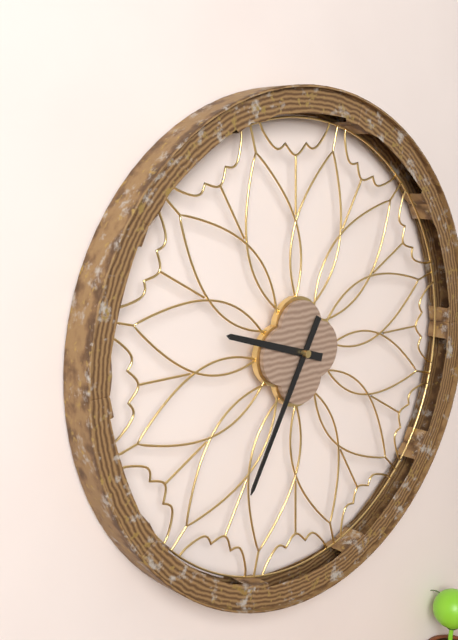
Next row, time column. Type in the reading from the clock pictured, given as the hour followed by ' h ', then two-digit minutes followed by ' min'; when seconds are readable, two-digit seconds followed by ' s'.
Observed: 9 h 35 min
